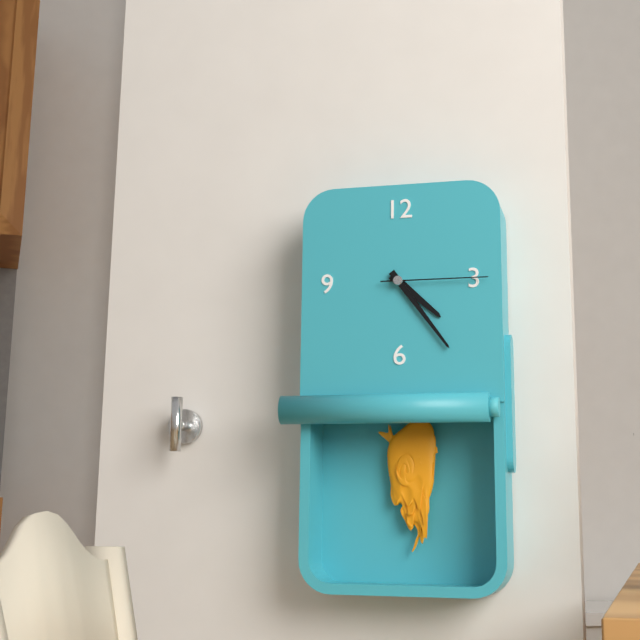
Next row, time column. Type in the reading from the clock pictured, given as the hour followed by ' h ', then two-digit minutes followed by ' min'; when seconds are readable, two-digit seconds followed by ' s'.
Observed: 4 h 24 min 15 s
